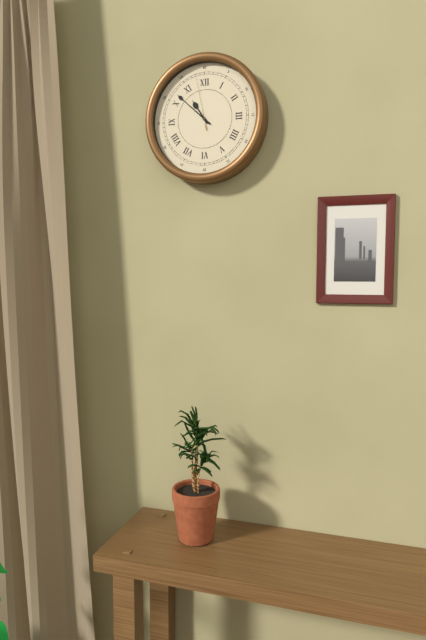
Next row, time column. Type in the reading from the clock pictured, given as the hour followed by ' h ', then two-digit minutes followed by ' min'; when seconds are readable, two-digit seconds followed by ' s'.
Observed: 10 h 52 min 58 s
